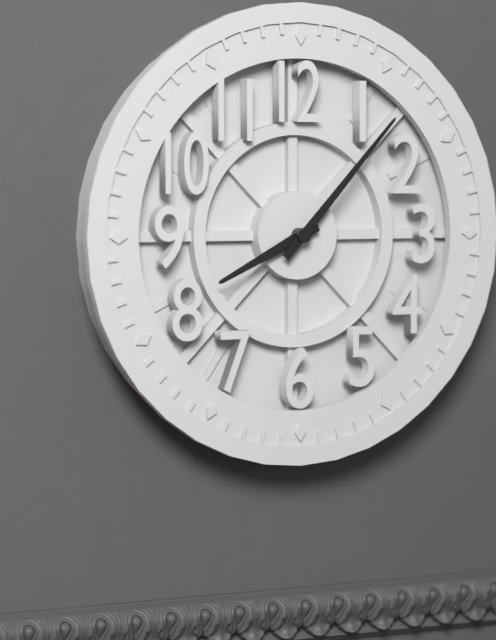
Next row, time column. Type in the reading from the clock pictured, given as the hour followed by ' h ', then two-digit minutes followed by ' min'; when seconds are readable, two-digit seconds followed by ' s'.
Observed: 8 h 07 min
